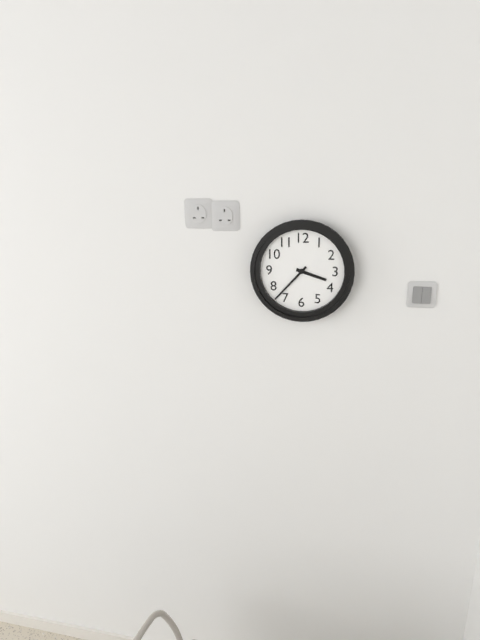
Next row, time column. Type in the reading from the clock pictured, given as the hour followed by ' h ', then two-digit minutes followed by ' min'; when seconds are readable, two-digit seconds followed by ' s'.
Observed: 3 h 37 min
